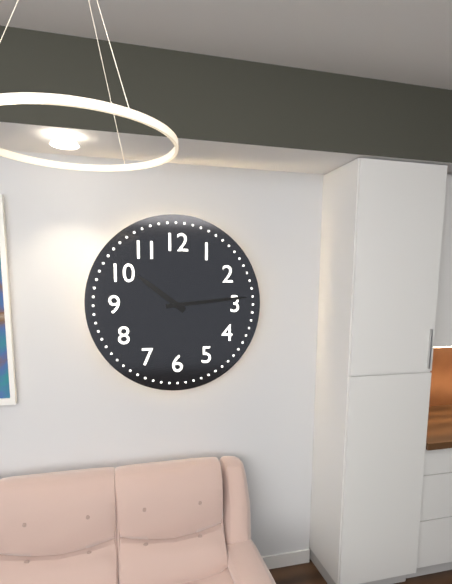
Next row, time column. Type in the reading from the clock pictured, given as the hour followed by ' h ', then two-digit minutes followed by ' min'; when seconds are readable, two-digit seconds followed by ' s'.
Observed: 10 h 14 min
